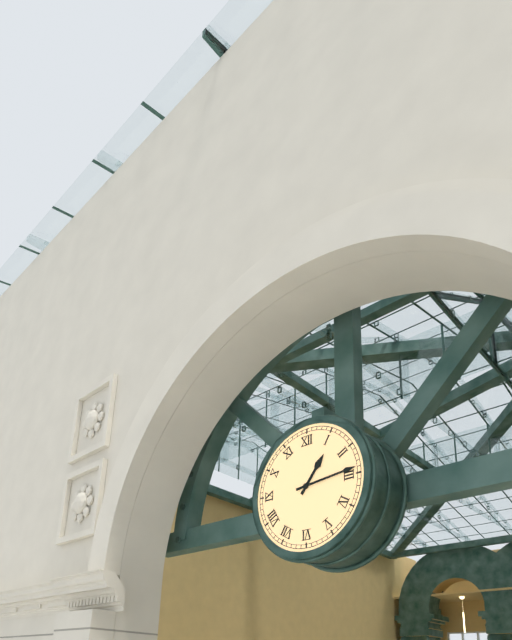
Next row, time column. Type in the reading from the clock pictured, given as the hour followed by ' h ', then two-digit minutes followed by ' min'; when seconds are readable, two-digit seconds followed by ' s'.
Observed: 1 h 14 min
